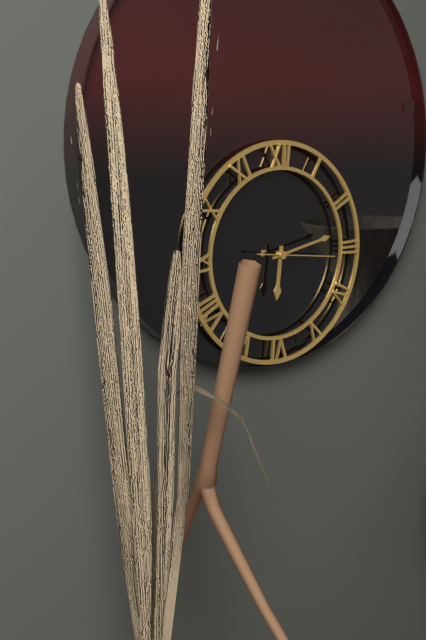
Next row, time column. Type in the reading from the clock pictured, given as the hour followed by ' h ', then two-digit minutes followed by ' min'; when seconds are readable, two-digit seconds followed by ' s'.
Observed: 6 h 13 min 16 s
